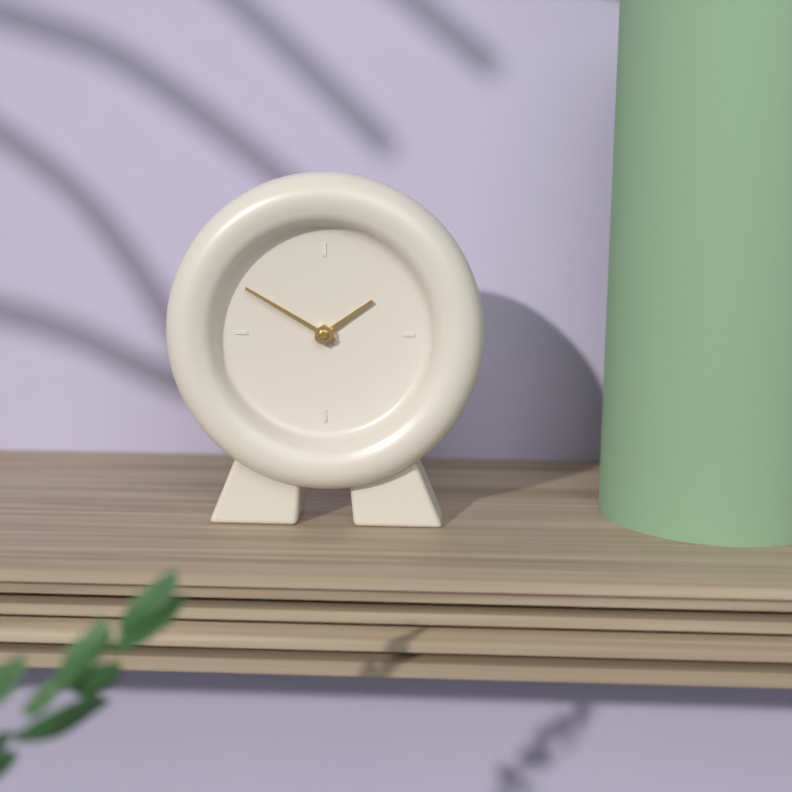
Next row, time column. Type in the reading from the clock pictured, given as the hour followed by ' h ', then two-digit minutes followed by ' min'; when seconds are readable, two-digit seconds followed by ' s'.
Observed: 1 h 50 min
